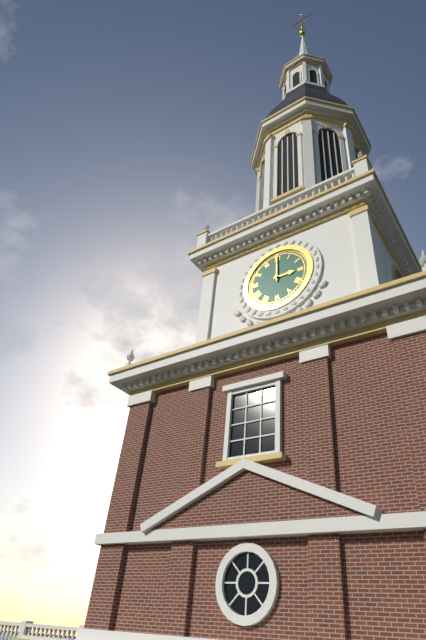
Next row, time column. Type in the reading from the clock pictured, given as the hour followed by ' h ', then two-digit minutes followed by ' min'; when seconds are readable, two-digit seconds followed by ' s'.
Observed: 3 h 00 min
